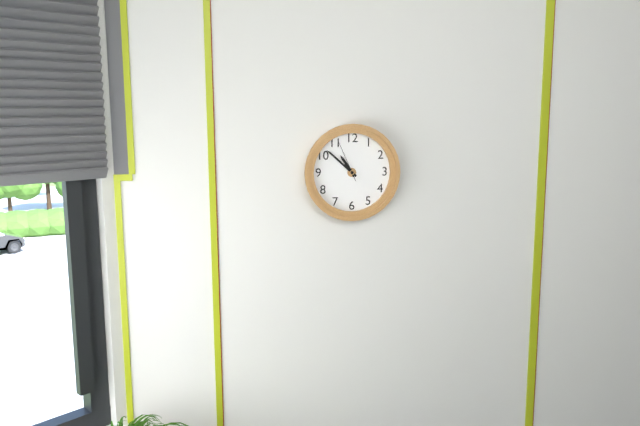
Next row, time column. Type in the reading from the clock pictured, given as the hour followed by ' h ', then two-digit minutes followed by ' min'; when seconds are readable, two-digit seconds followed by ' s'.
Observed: 10 h 52 min
